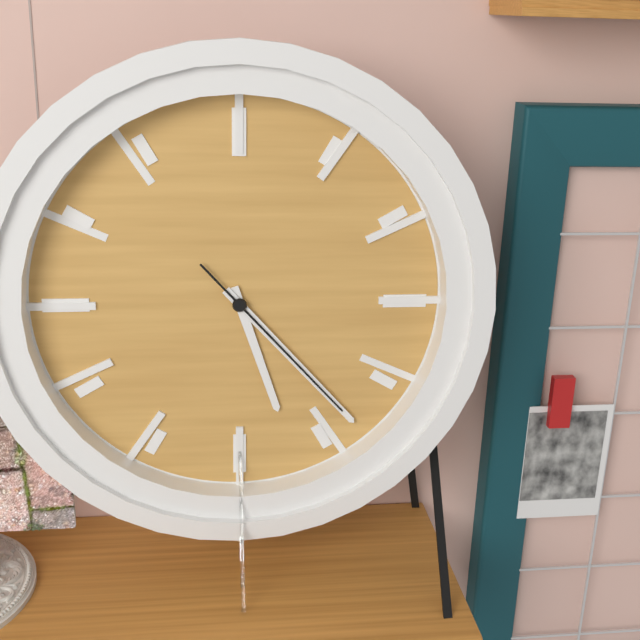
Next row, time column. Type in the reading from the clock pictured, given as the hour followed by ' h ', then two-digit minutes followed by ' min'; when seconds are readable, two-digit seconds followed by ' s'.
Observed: 5 h 23 min 23 s
